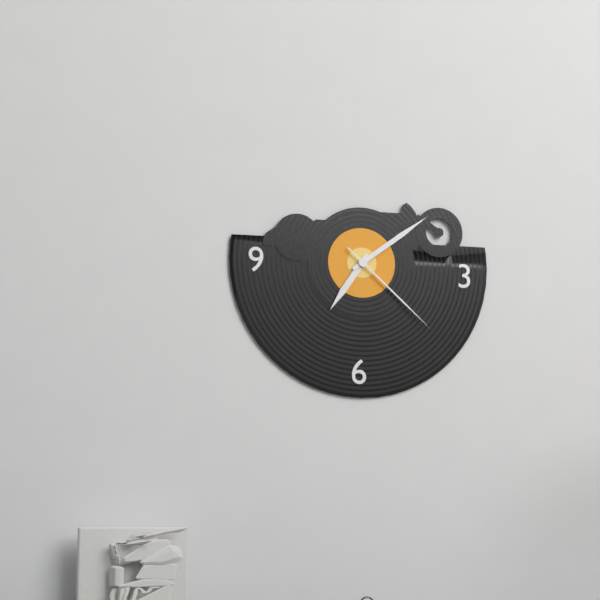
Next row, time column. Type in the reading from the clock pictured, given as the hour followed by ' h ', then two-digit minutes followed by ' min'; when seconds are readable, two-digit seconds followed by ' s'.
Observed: 7 h 09 min 22 s
